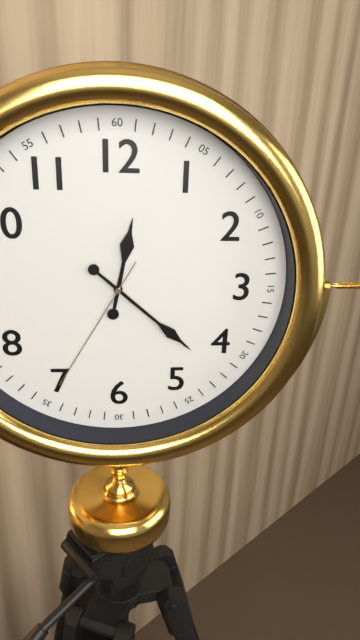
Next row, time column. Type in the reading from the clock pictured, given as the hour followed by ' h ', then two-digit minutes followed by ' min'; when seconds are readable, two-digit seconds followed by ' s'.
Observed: 12 h 22 min 35 s
